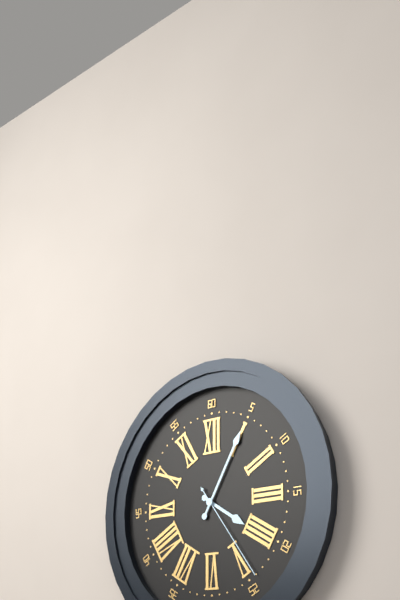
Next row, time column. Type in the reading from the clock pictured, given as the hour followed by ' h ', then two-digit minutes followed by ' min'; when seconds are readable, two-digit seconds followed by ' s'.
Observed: 4 h 05 min 24 s
